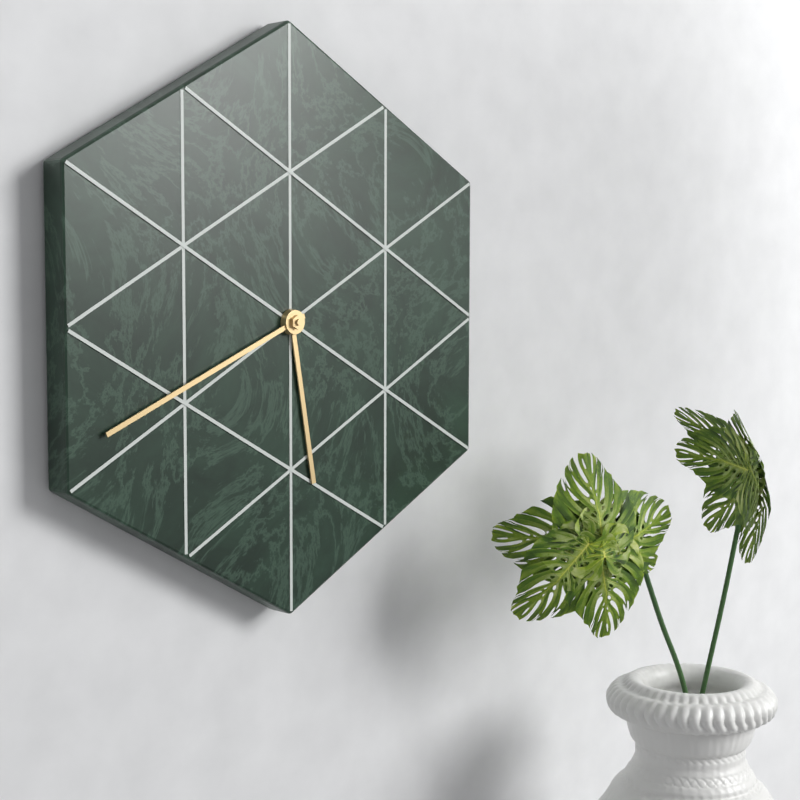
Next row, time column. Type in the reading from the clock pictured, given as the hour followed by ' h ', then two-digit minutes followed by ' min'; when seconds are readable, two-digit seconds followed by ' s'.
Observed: 5 h 41 min
